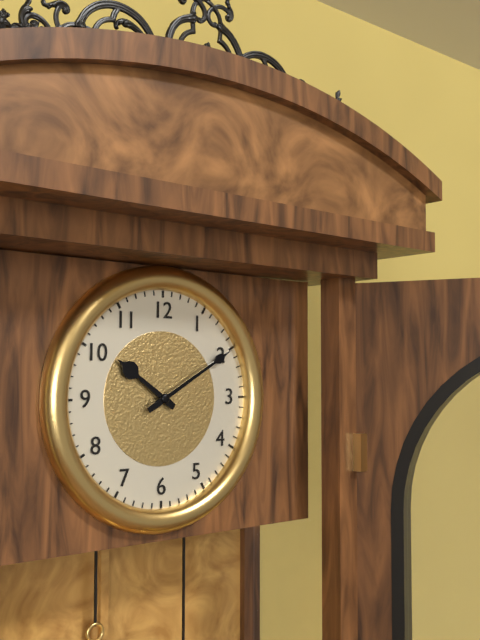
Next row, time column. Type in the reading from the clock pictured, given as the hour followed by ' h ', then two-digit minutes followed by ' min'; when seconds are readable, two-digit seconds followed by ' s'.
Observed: 10 h 10 min
